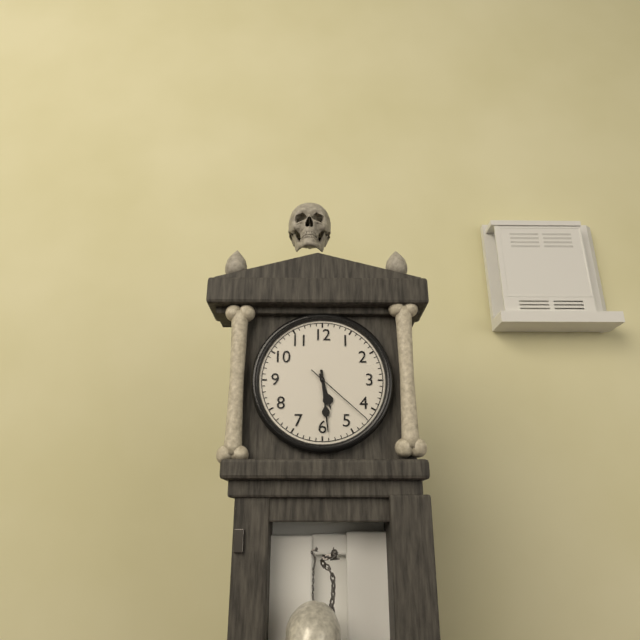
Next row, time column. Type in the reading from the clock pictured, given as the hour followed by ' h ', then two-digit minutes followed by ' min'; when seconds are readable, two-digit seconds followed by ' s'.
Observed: 5 h 29 min 22 s
